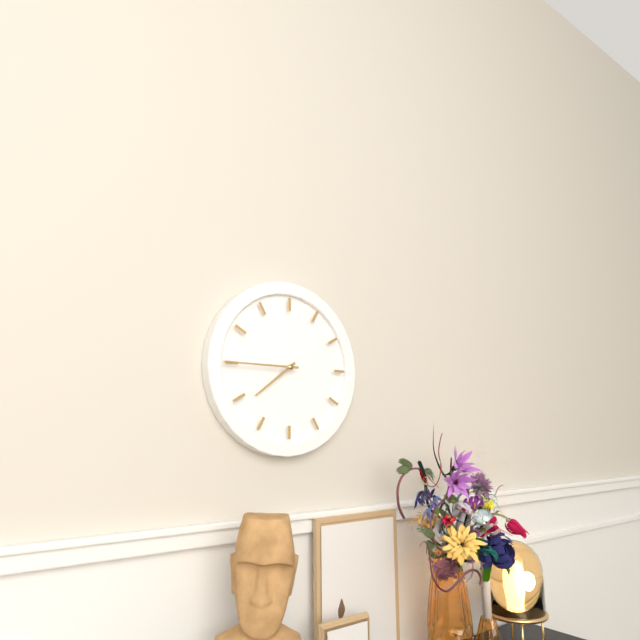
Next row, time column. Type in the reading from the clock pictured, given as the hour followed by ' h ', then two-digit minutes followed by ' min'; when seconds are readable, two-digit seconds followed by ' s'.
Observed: 7 h 45 min
